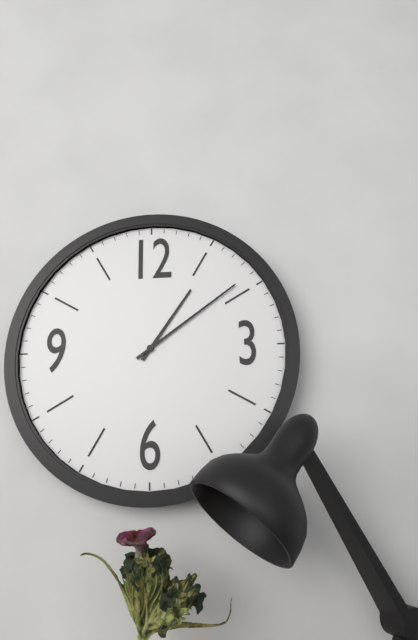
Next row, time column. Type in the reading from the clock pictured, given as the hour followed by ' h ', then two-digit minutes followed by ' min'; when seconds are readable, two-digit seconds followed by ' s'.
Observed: 1 h 09 min
